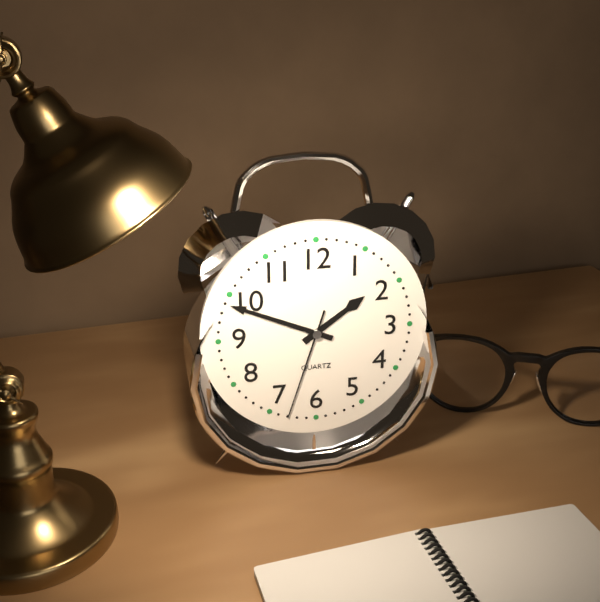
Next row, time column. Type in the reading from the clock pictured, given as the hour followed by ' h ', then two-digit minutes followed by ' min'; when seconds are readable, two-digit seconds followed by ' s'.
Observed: 1 h 49 min 33 s
